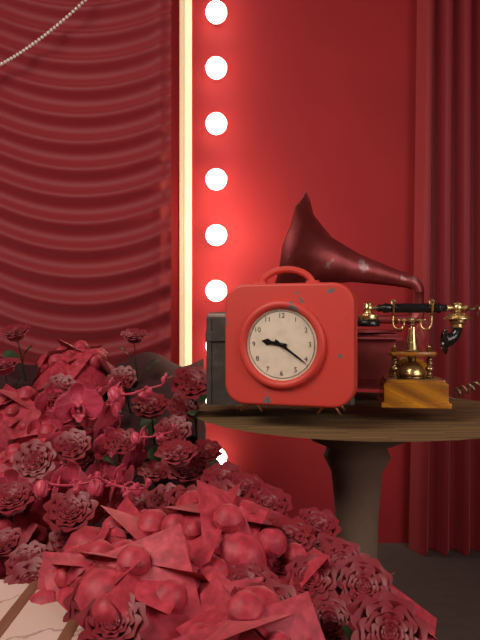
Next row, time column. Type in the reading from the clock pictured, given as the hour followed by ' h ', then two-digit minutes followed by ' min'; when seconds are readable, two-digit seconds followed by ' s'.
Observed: 9 h 21 min
